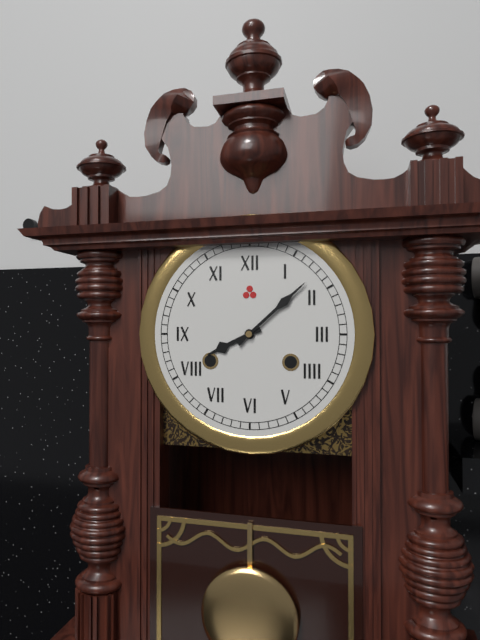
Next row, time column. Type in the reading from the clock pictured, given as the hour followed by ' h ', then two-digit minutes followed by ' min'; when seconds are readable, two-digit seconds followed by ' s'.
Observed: 8 h 08 min
